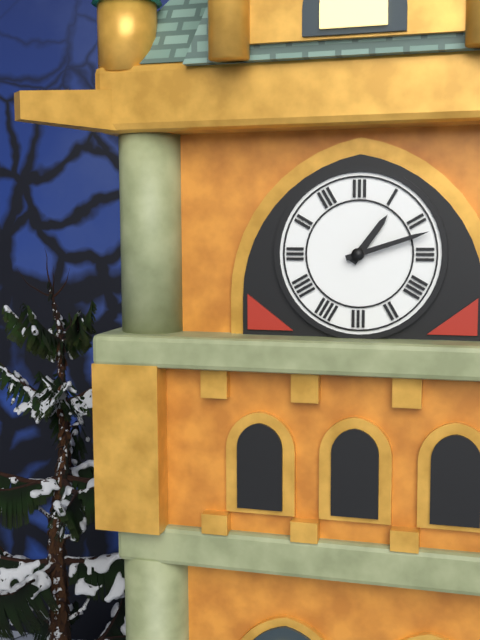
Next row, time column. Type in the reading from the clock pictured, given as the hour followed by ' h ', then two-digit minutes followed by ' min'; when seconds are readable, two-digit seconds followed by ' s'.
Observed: 1 h 12 min
